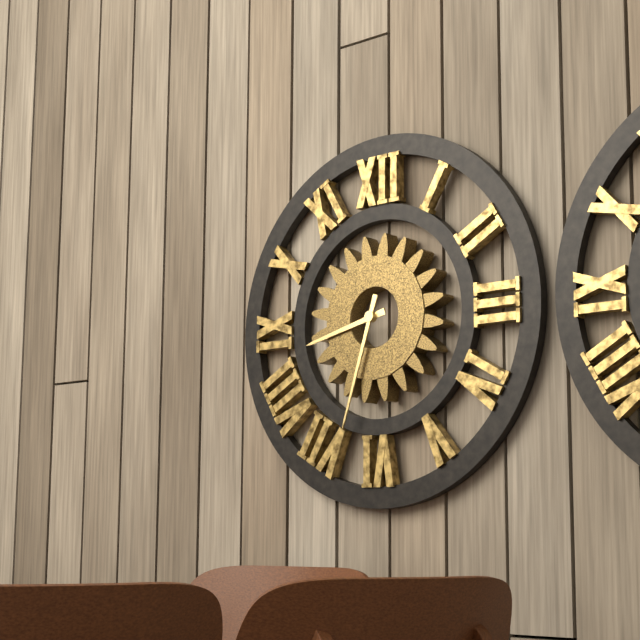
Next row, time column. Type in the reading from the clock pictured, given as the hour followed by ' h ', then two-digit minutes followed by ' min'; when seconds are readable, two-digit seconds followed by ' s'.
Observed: 8 h 33 min
